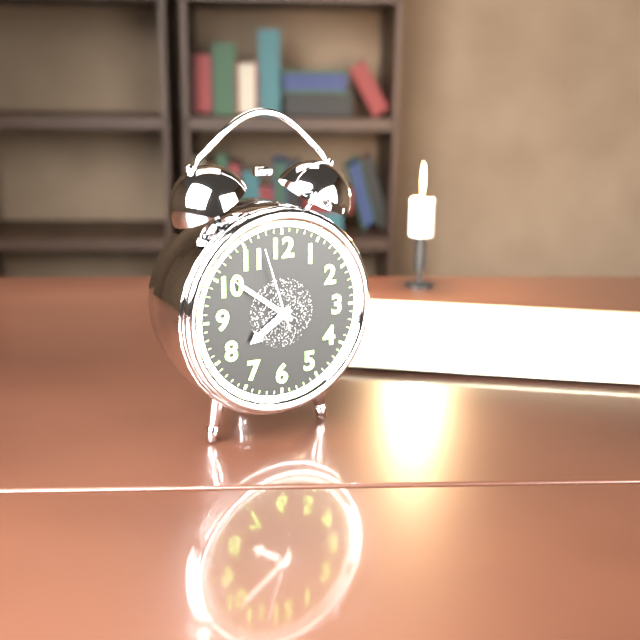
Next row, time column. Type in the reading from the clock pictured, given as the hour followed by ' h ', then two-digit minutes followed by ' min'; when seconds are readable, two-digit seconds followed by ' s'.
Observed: 7 h 51 min 57 s
